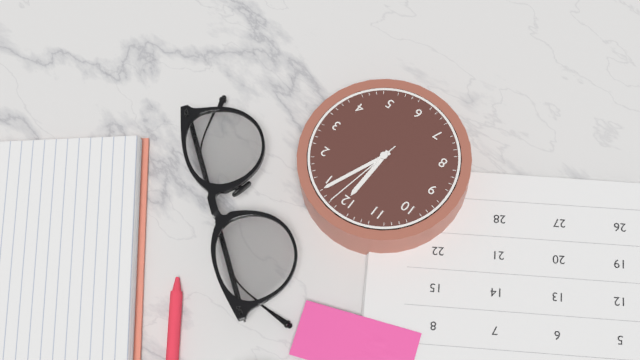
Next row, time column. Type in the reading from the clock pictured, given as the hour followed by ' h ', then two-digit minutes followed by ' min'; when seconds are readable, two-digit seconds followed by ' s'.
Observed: 12 h 04 min 02 s
